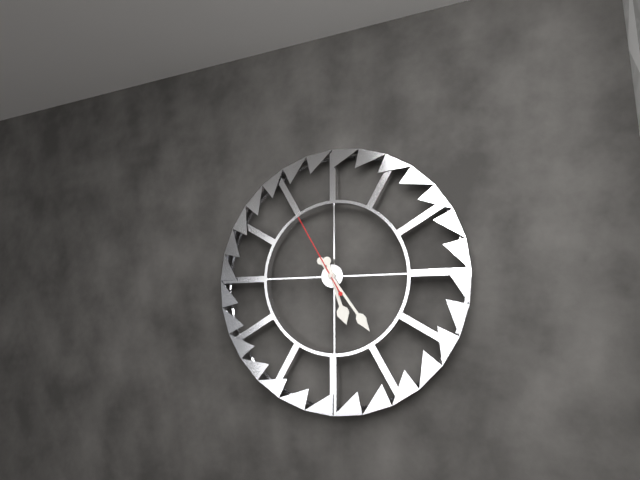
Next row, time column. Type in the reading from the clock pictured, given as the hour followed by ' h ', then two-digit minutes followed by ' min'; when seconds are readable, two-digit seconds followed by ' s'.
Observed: 5 h 24 min 55 s
